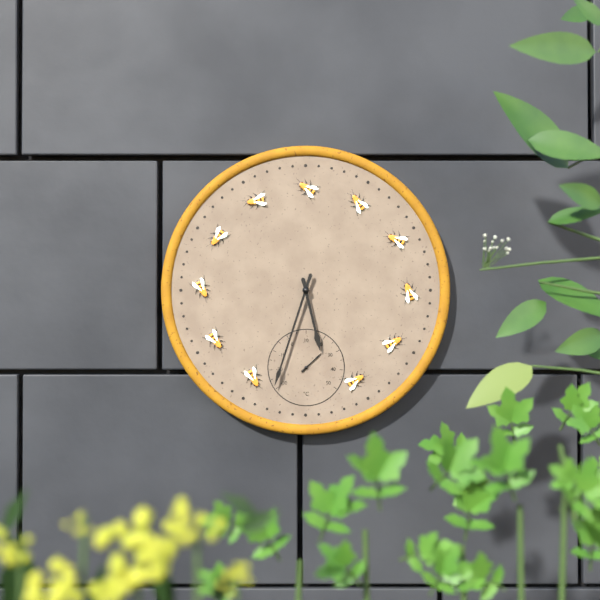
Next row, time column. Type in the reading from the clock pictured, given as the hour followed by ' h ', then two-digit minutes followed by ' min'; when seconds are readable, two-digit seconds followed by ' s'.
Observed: 5 h 33 min
